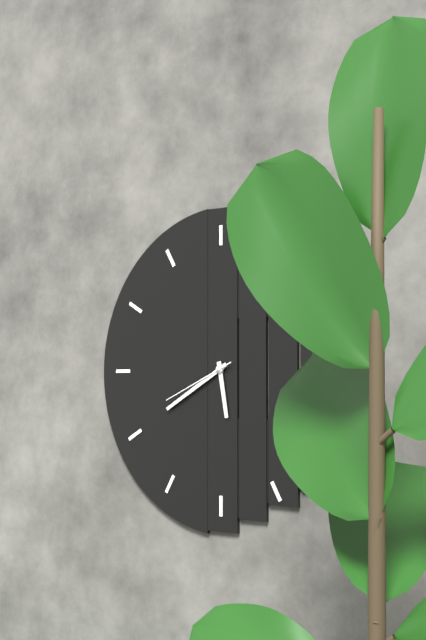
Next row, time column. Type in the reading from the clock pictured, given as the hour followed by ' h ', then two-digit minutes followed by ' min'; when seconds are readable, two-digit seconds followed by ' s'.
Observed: 5 h 40 min 41 s
